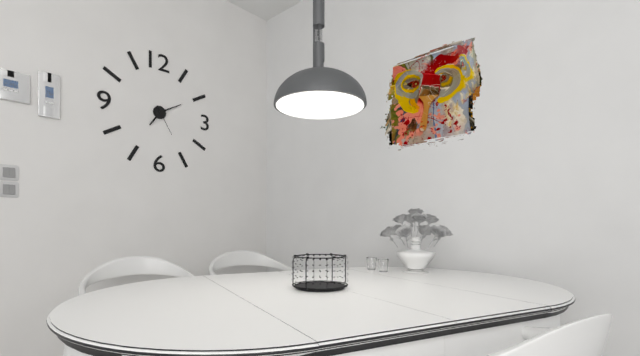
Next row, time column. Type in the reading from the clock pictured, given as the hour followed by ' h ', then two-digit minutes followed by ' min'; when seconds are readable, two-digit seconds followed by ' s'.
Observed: 7 h 10 min
